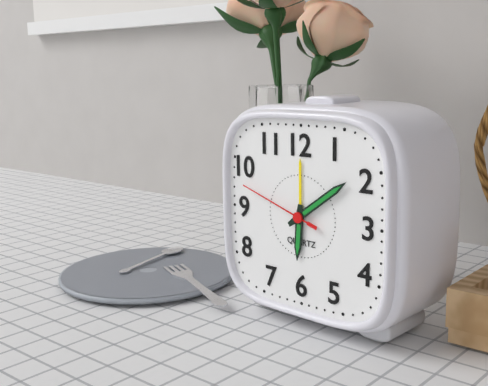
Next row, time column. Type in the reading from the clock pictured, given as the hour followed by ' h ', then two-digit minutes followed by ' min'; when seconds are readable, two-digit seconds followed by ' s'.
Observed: 6 h 09 min 48 s
